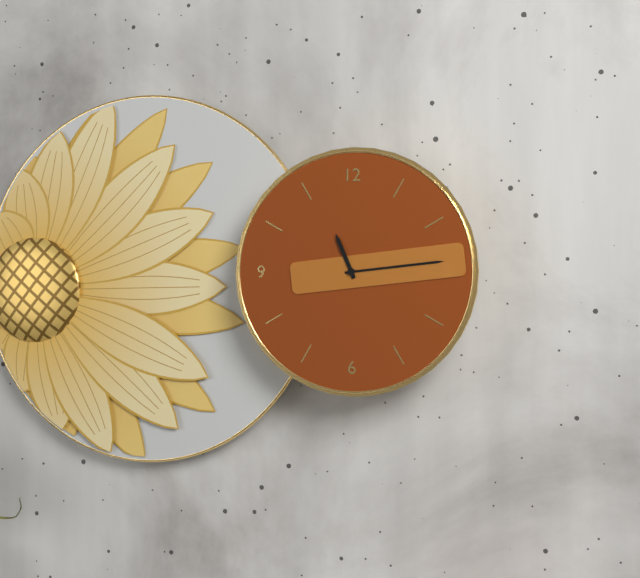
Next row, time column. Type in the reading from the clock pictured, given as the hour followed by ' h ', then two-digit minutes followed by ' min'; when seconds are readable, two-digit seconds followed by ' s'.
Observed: 11 h 14 min
